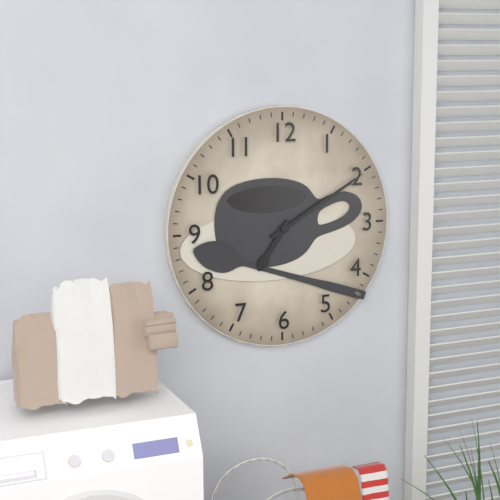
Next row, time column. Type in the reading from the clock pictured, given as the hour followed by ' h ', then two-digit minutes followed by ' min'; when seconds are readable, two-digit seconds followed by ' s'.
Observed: 7 h 10 min
